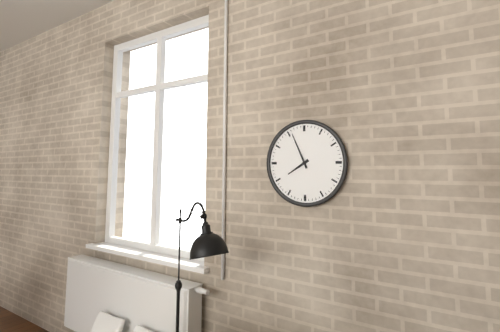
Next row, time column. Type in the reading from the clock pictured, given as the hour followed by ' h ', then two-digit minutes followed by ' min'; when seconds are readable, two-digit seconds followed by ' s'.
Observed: 7 h 56 min
